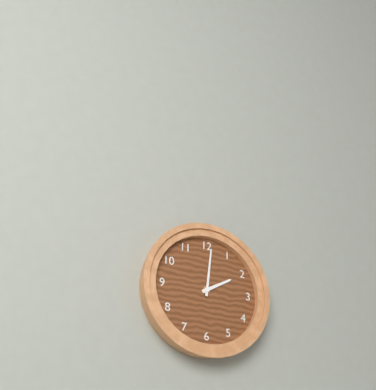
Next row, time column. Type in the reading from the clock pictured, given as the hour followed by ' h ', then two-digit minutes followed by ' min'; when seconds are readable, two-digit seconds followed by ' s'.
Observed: 2 h 01 min
